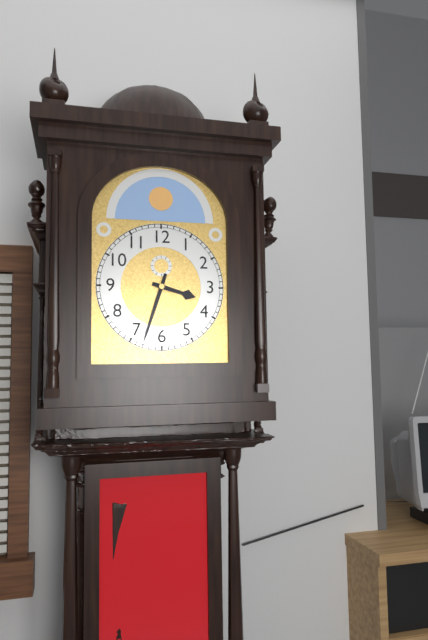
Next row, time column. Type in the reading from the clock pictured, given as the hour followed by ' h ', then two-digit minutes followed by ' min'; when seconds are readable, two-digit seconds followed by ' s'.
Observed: 3 h 33 min
